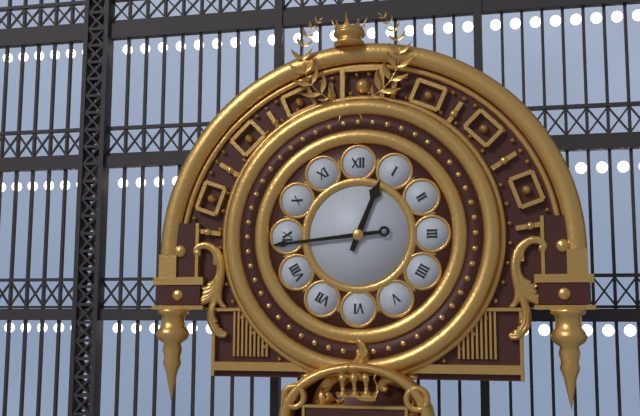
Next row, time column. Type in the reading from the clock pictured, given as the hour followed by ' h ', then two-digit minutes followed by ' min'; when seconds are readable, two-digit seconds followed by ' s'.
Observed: 12 h 44 min
